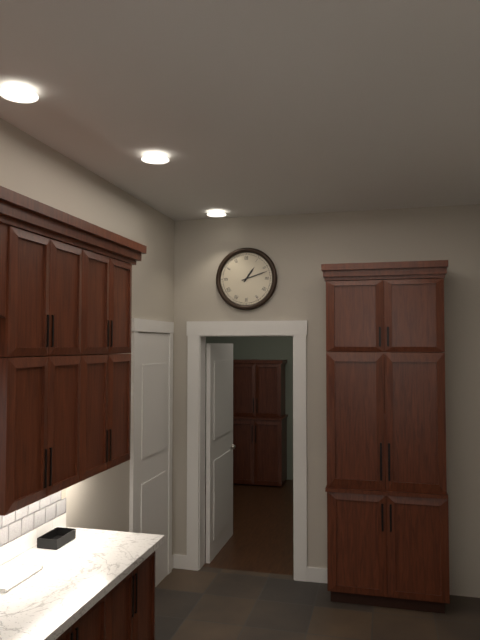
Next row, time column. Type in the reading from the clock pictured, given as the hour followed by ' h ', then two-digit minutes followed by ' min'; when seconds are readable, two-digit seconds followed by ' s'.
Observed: 1 h 12 min
